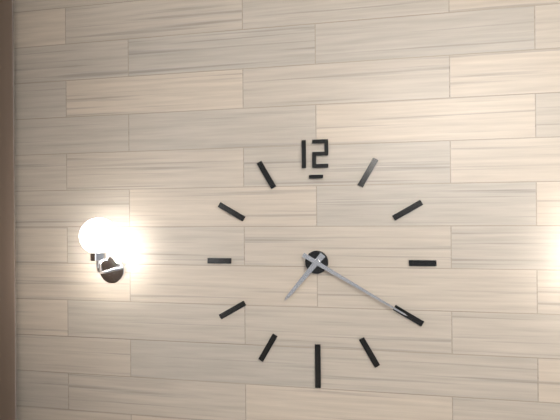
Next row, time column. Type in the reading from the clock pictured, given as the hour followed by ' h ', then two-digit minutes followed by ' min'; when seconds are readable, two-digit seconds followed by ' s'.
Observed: 7 h 20 min
